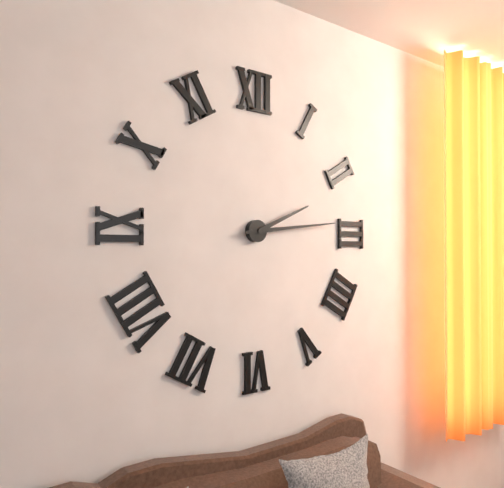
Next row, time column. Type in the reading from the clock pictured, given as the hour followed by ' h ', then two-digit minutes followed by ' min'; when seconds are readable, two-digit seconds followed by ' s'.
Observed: 2 h 14 min
